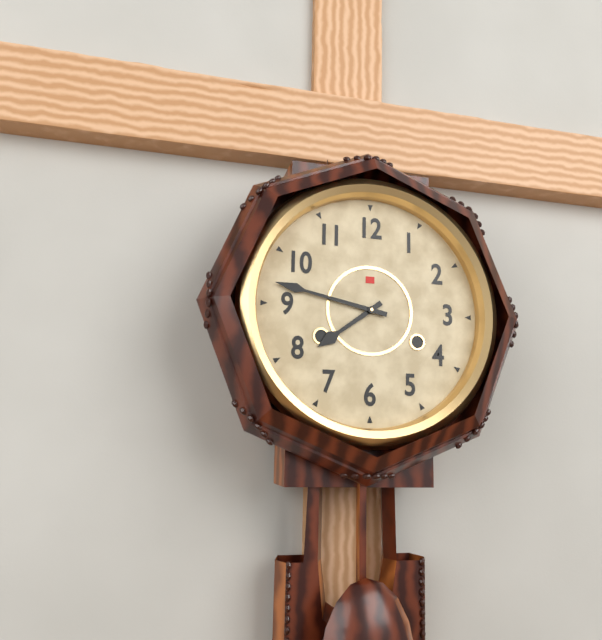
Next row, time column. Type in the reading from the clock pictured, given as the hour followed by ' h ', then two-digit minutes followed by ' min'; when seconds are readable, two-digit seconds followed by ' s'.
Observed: 7 h 47 min
